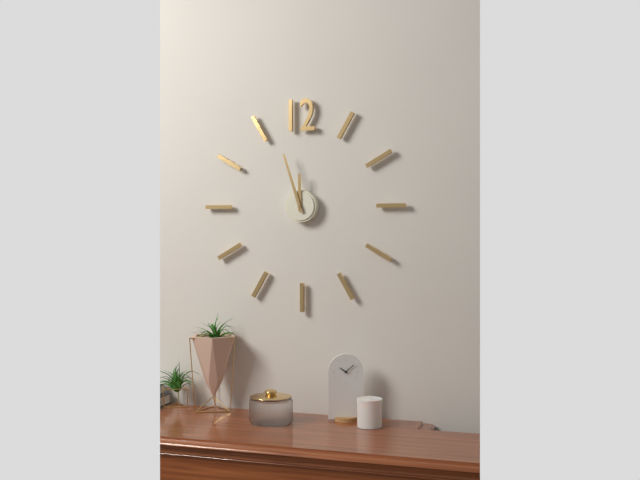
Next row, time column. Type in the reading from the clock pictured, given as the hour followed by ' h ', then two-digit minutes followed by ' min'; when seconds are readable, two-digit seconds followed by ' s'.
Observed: 11 h 57 min
